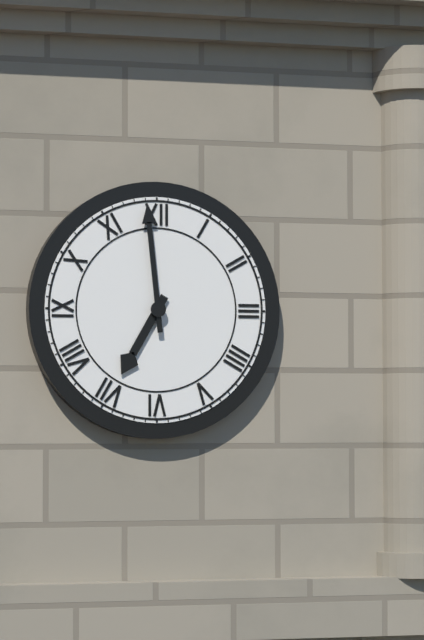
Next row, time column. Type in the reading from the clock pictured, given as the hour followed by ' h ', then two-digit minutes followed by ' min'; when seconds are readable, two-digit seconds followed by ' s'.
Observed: 6 h 59 min
